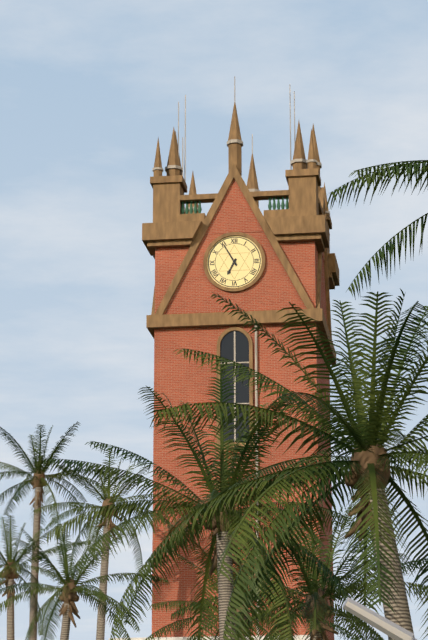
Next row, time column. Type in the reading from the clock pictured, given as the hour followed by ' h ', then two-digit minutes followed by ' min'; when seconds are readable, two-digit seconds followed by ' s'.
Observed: 6 h 55 min
